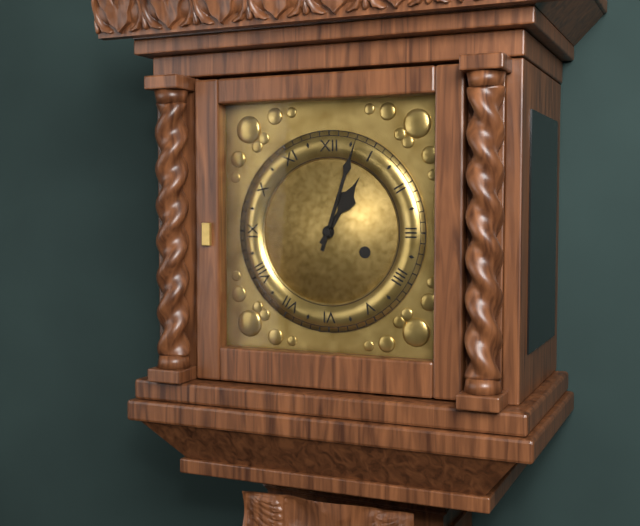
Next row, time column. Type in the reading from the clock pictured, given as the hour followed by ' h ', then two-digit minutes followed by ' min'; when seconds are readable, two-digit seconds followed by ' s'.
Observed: 1 h 03 min
